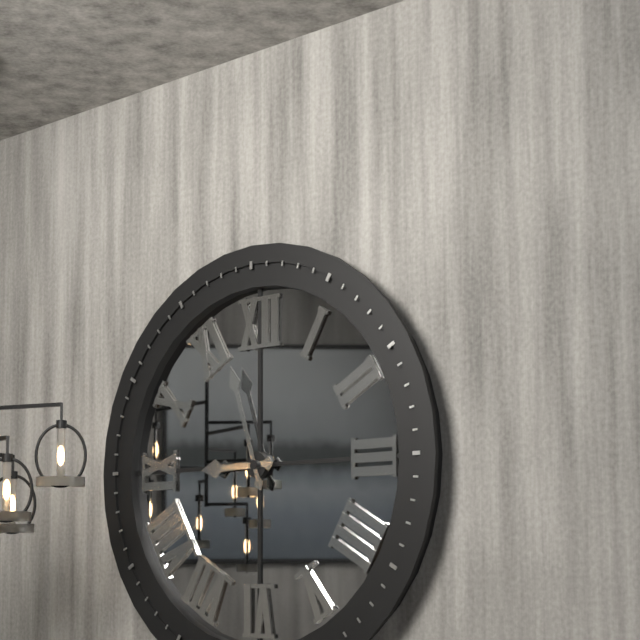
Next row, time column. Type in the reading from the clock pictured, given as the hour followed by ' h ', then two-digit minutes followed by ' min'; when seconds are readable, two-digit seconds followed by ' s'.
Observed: 8 h 57 min
